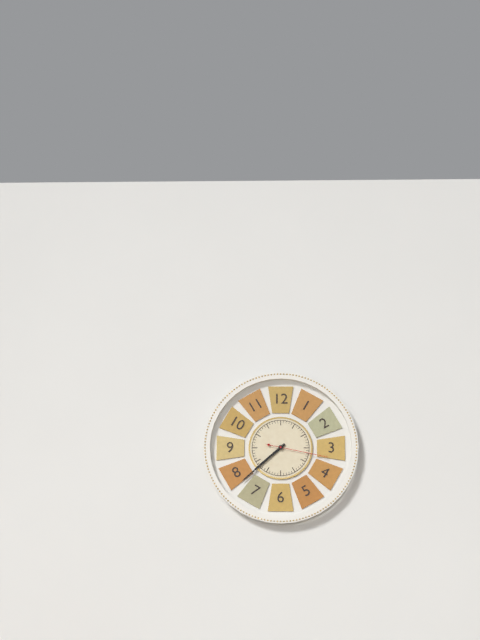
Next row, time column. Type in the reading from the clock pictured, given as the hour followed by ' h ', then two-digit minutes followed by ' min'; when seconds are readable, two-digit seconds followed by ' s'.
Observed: 7 h 38 min 17 s
